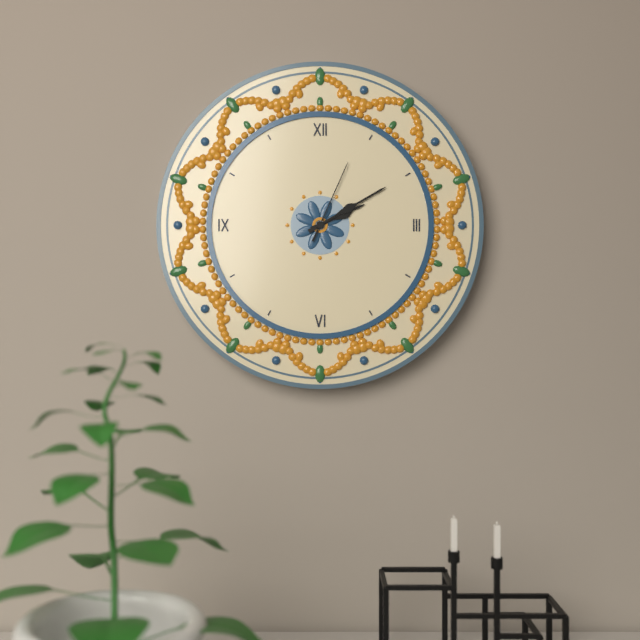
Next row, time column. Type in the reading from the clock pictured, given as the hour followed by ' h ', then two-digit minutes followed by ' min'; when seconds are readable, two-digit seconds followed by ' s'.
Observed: 2 h 10 min 04 s
